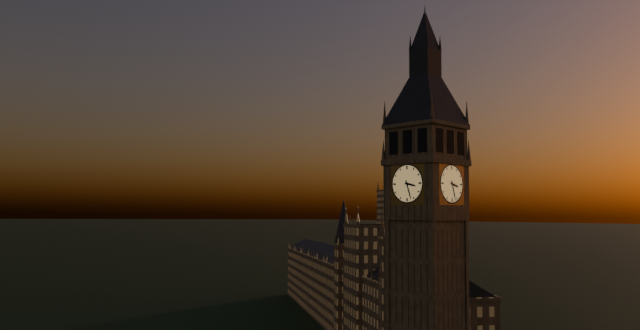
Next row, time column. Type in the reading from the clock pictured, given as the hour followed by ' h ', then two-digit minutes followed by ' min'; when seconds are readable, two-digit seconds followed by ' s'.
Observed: 3 h 27 min
